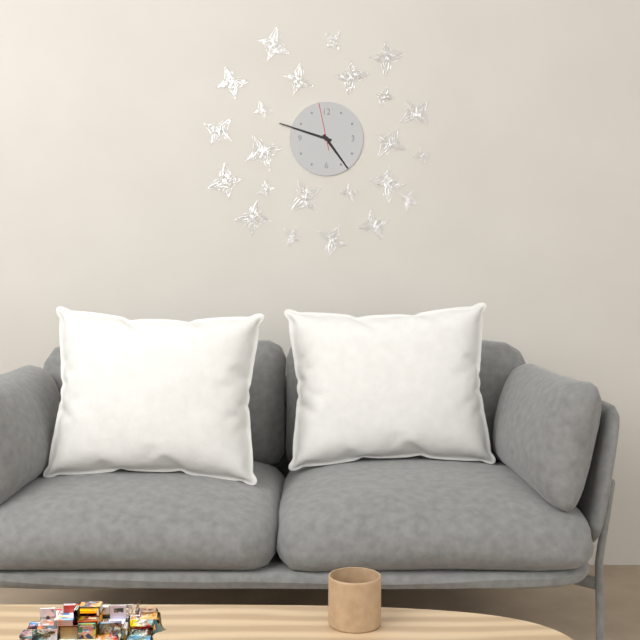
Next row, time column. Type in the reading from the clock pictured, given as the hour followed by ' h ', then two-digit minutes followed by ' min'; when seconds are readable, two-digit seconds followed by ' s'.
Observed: 4 h 48 min
